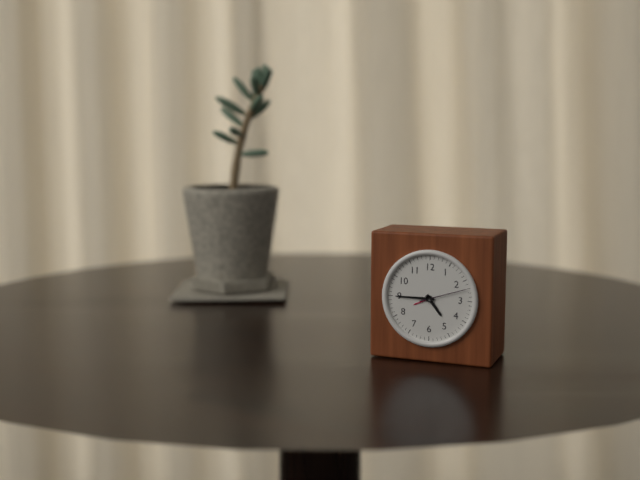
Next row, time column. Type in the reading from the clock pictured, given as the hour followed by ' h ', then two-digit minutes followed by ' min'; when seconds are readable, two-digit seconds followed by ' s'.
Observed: 4 h 45 min 12 s
